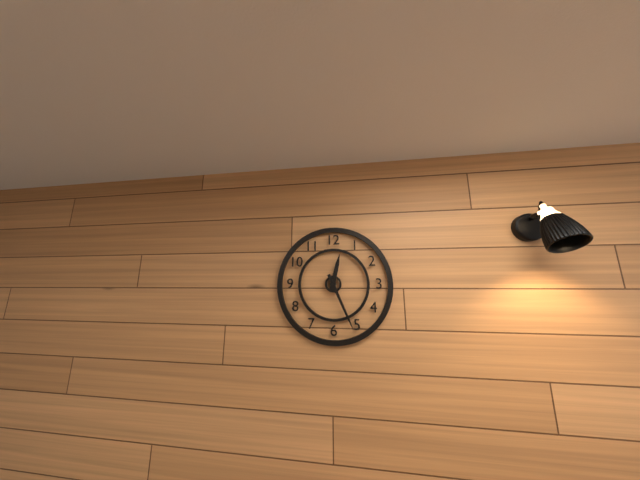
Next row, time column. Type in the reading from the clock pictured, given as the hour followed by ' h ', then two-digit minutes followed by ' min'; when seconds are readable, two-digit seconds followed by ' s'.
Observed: 12 h 26 min
